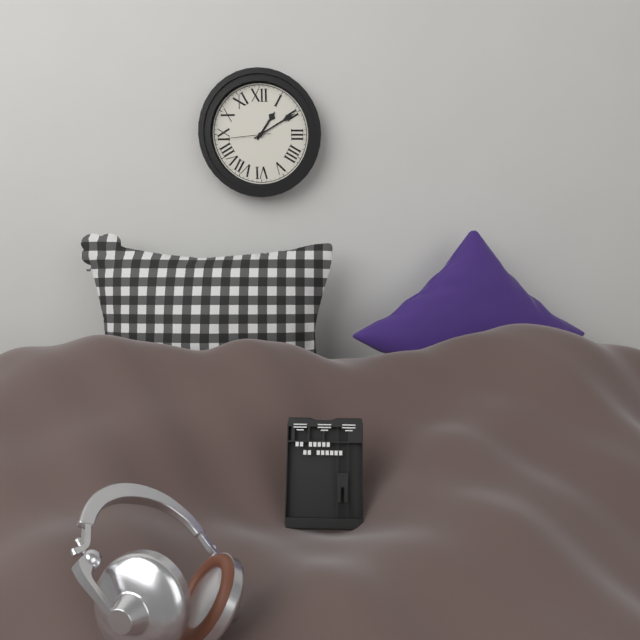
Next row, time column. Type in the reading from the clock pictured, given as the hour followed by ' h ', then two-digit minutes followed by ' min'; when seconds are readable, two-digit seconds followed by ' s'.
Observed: 1 h 10 min
